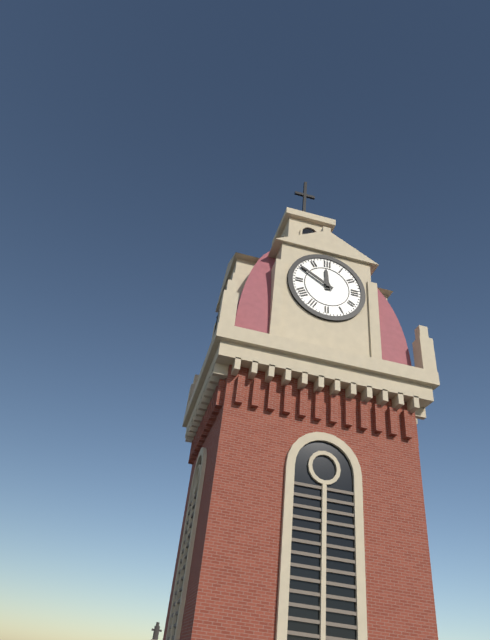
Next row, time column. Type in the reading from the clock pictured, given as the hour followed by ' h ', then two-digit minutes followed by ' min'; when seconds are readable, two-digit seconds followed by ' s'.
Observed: 11 h 50 min
